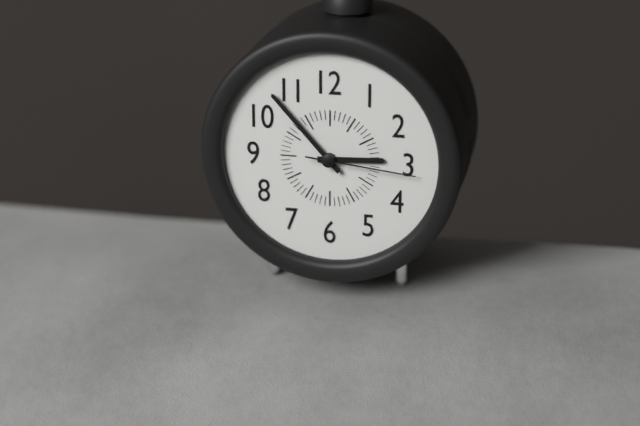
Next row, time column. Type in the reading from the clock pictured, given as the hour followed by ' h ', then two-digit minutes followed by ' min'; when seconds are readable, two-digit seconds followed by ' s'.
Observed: 2 h 53 min 16 s
